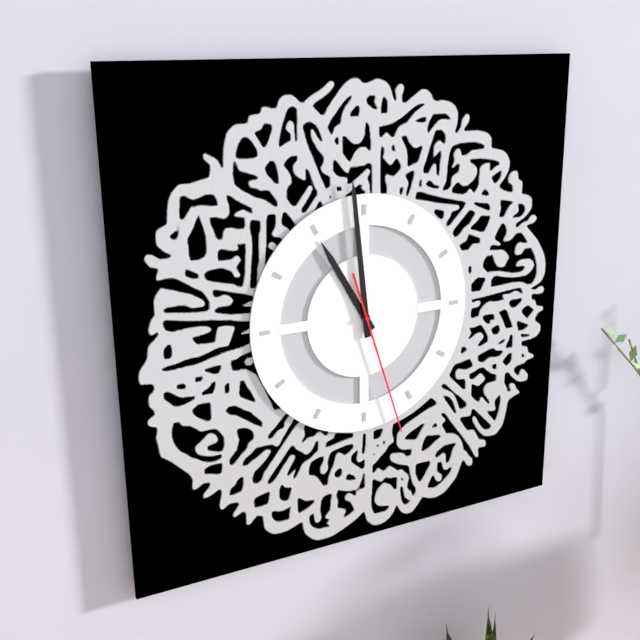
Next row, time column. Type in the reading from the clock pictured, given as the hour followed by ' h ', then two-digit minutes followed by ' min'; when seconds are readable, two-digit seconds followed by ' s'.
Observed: 10 h 59 min 27 s
